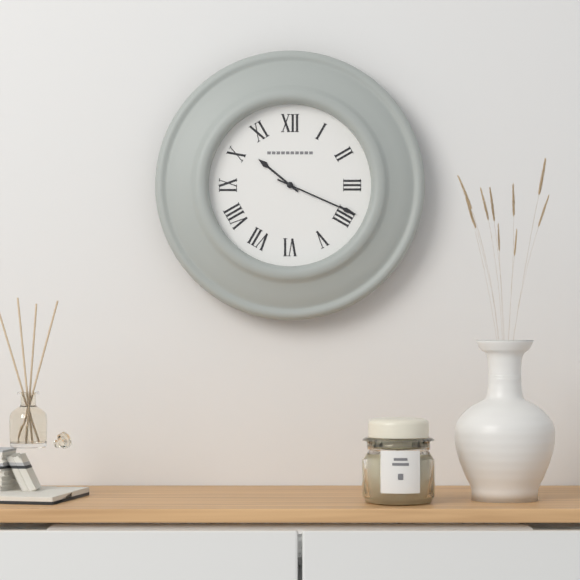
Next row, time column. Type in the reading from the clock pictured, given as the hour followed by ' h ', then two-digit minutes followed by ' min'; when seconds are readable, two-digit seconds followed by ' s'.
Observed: 10 h 19 min
